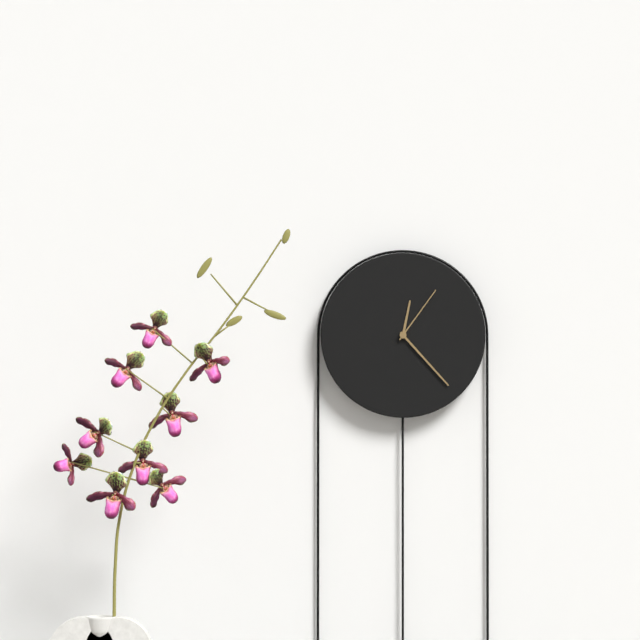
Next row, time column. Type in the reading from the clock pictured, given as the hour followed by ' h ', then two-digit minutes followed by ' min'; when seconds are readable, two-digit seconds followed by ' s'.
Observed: 12 h 23 min 06 s
